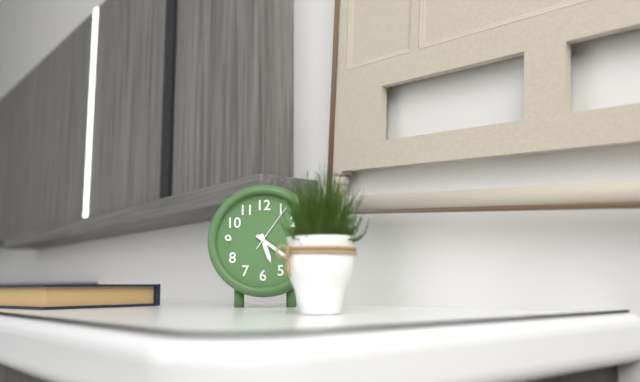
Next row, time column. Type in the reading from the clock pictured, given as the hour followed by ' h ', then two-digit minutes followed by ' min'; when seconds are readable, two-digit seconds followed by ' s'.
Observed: 5 h 21 min 06 s
